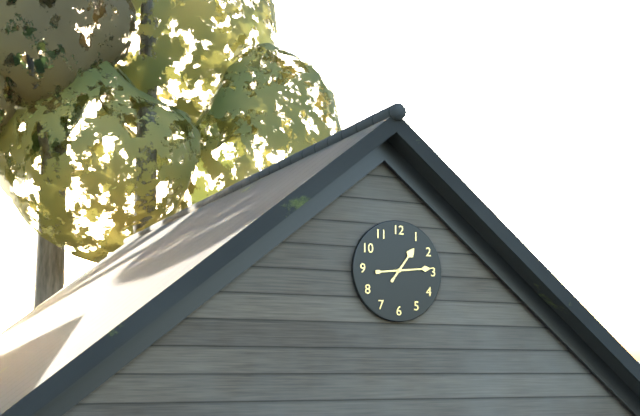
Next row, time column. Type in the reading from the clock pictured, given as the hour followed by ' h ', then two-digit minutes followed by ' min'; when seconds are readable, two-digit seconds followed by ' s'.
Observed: 1 h 14 min
